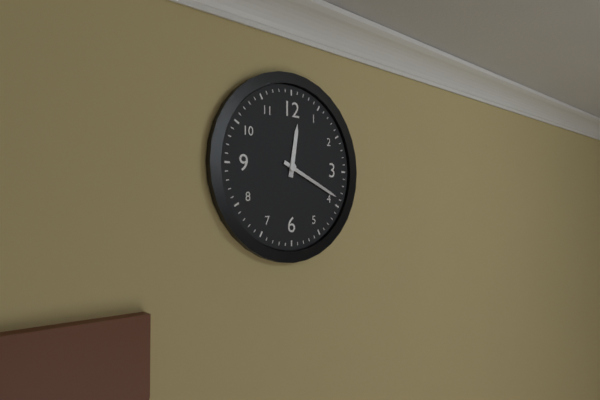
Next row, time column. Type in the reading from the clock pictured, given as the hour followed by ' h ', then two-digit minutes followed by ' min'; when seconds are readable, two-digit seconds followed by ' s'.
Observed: 12 h 19 min
